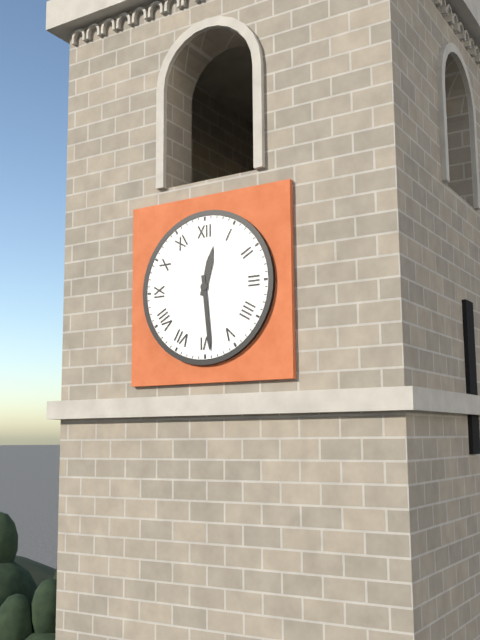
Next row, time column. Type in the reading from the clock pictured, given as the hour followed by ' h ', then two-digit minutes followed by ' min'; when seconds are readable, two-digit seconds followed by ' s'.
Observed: 12 h 29 min
